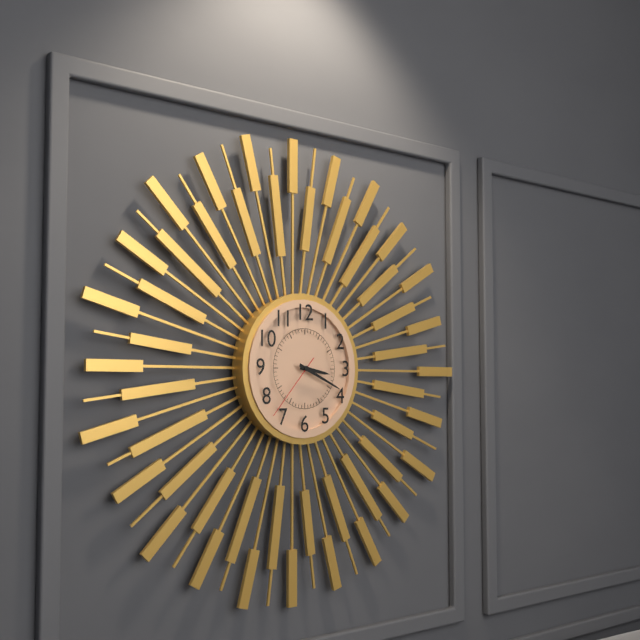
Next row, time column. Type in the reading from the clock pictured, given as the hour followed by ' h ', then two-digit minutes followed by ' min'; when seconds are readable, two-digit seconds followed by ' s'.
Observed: 3 h 19 min 37 s
